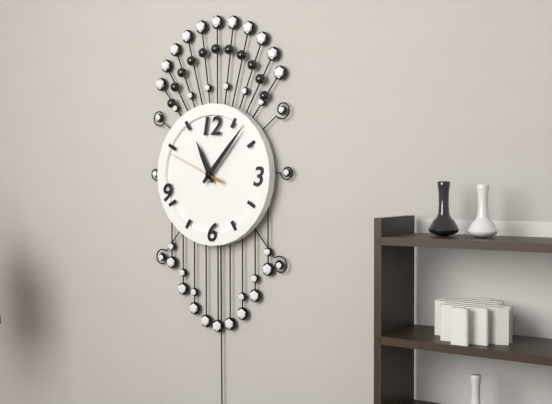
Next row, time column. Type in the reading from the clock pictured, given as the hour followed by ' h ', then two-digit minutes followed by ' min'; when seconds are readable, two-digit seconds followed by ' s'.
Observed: 11 h 07 min 49 s
